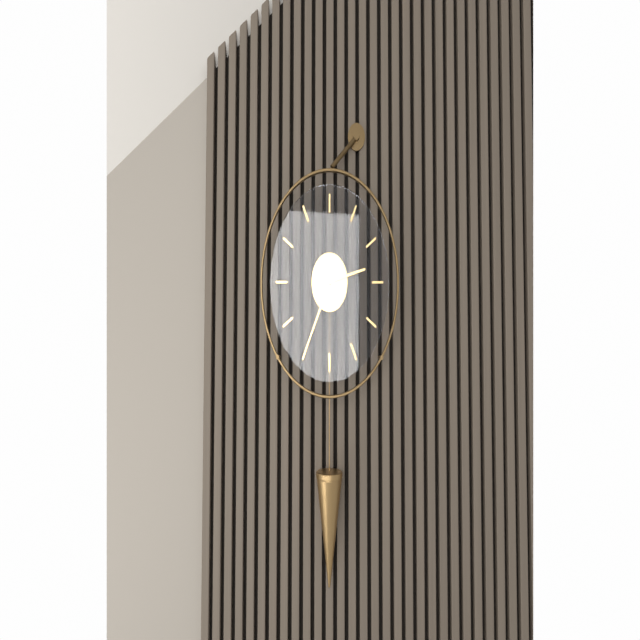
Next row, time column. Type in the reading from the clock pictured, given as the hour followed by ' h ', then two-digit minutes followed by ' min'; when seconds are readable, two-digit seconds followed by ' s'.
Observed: 2 h 35 min
